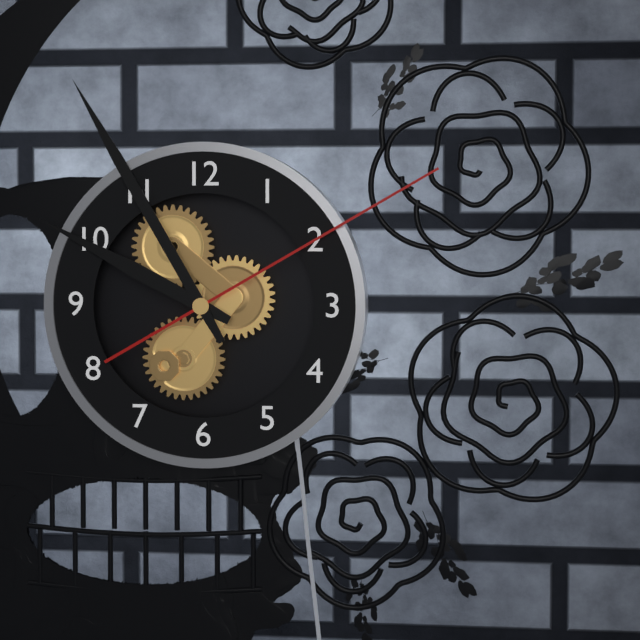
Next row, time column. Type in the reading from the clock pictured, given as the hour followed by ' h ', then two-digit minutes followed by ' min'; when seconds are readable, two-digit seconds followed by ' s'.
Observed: 9 h 55 min 10 s
